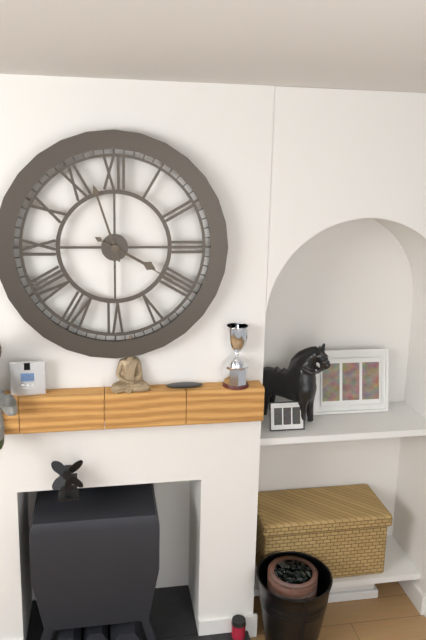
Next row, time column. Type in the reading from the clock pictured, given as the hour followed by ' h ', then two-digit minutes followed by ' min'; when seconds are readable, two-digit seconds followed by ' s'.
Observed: 3 h 57 min 20 s
